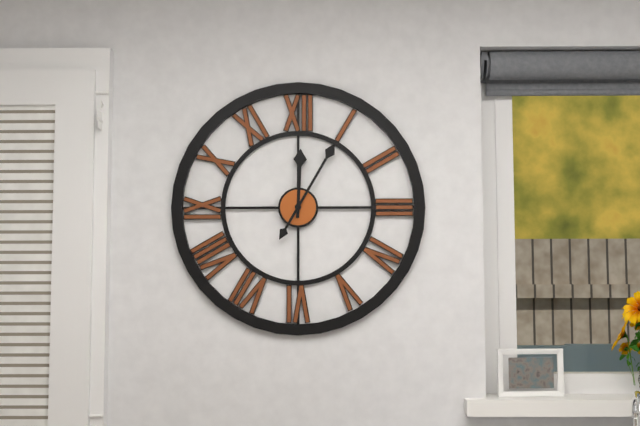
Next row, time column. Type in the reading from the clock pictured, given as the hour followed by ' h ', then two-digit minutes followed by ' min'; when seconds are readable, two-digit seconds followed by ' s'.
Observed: 12 h 05 min
